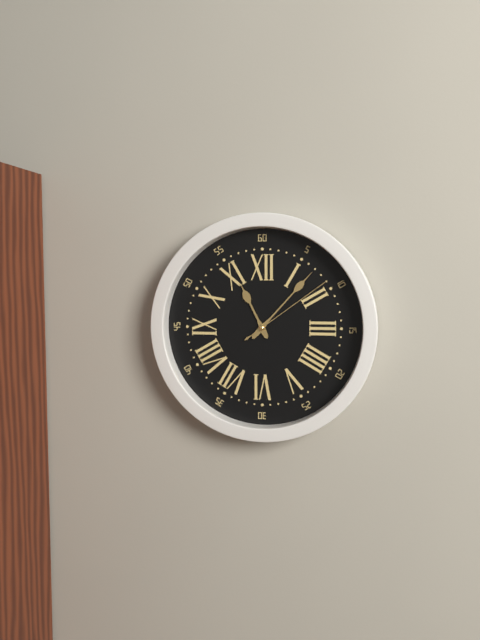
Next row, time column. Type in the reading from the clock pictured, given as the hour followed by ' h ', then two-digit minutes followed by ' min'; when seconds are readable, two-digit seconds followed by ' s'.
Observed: 11 h 07 min 09 s
